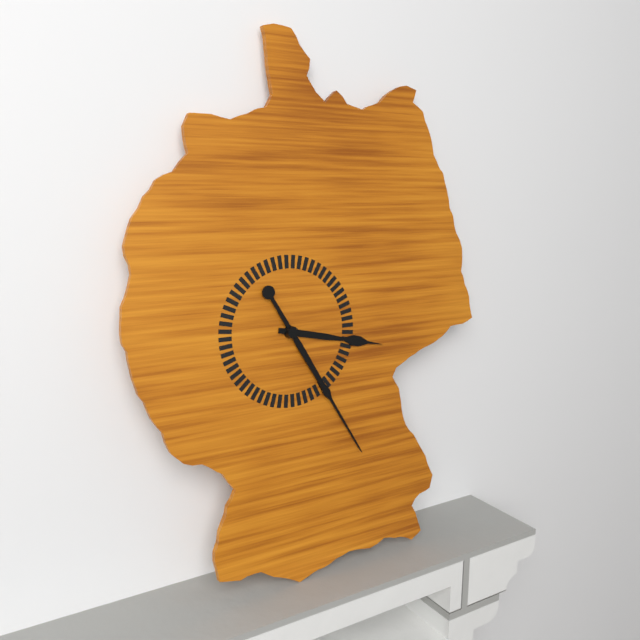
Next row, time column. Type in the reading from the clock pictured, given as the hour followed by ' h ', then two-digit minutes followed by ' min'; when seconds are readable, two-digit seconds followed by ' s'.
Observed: 3 h 25 min
